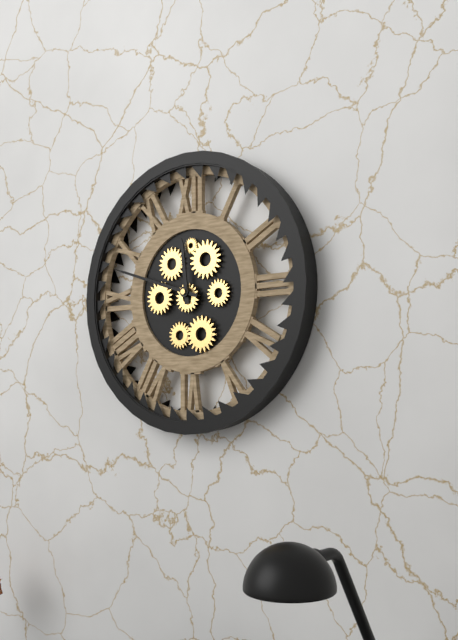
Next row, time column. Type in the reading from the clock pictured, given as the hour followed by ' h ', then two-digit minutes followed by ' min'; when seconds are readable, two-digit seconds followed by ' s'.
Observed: 11 h 48 min
